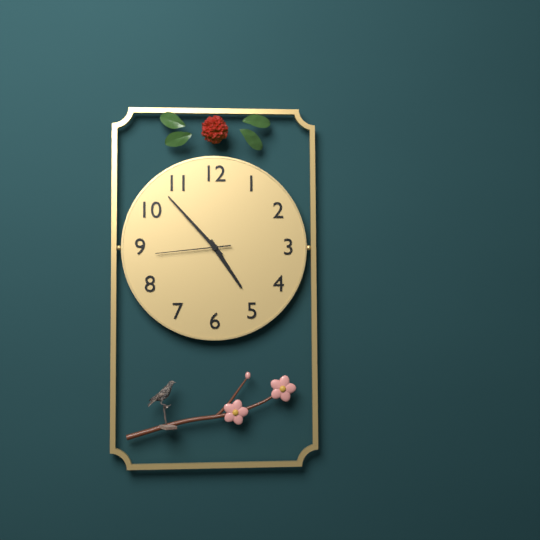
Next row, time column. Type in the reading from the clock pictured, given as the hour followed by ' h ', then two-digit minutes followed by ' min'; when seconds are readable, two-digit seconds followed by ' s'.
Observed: 4 h 53 min 44 s
